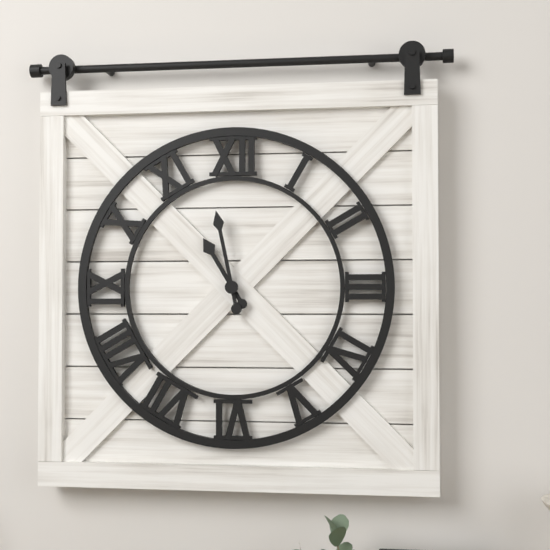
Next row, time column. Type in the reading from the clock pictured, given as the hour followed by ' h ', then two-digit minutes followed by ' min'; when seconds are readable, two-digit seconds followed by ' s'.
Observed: 10 h 58 min
